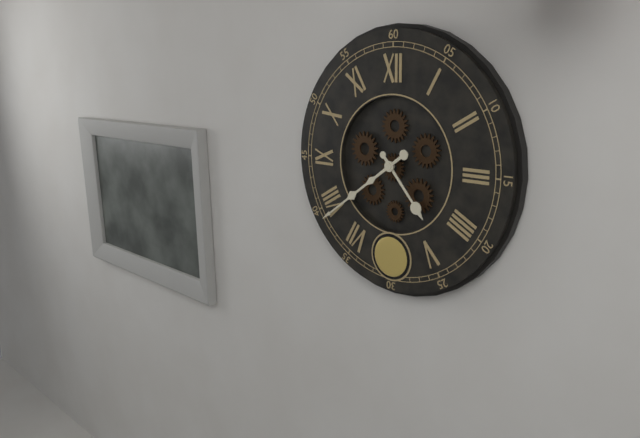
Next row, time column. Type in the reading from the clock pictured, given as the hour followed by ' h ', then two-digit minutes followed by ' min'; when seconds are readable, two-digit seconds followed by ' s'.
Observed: 4 h 39 min
